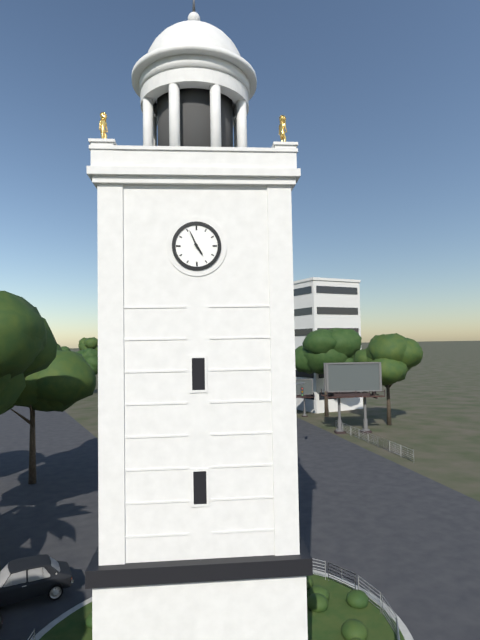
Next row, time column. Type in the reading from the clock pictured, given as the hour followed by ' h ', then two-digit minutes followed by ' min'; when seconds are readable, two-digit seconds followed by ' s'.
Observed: 4 h 56 min
